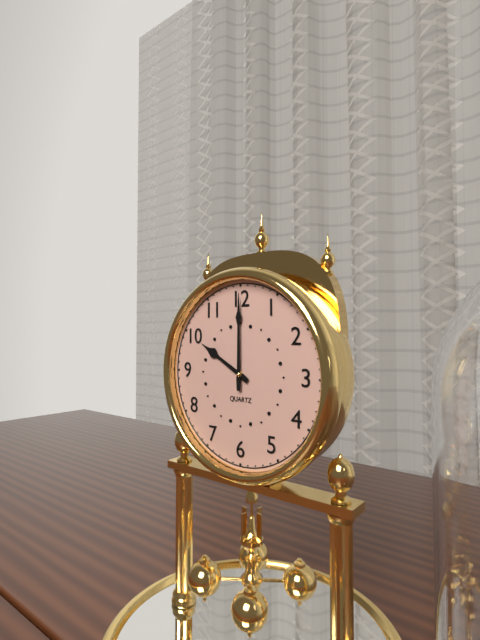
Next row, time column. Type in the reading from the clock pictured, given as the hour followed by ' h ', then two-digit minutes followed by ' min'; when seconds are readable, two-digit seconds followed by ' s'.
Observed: 10 h 00 min
